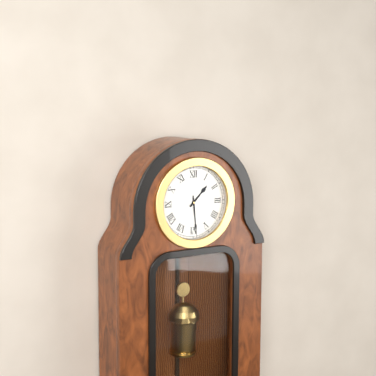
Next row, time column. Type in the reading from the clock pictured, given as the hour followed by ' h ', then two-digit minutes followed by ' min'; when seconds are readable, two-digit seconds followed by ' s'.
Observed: 1 h 29 min
